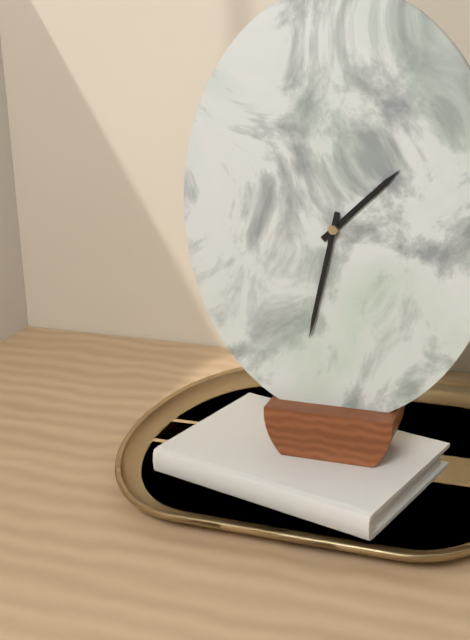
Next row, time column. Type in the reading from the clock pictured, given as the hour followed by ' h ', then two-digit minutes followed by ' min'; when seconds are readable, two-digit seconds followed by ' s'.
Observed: 1 h 32 min
